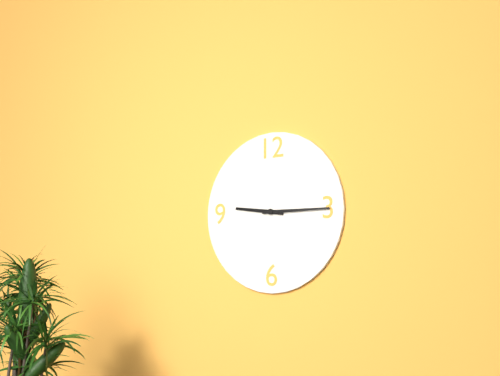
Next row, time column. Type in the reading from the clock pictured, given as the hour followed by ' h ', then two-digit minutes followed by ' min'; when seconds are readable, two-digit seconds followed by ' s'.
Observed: 9 h 15 min
